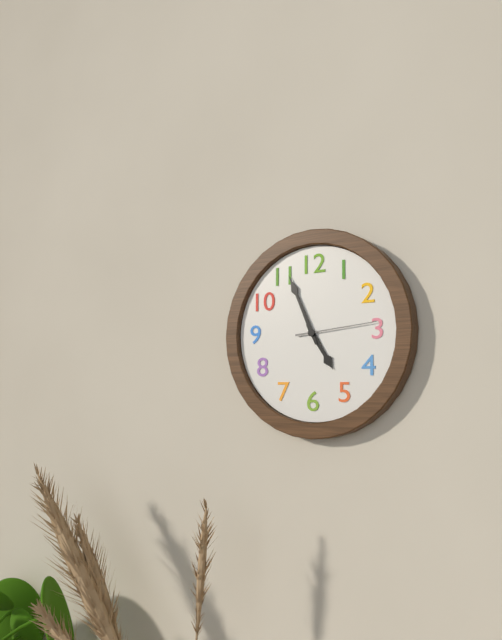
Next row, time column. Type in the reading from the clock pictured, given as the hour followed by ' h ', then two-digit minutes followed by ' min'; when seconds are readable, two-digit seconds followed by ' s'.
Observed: 4 h 56 min 14 s
